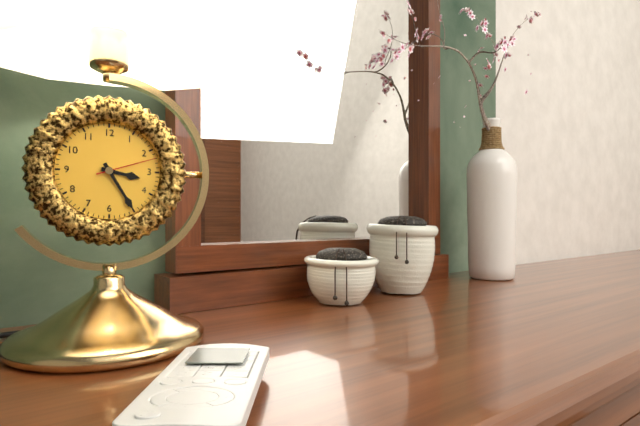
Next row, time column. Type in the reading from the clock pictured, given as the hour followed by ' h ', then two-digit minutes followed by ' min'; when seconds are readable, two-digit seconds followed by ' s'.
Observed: 3 h 25 min 12 s
